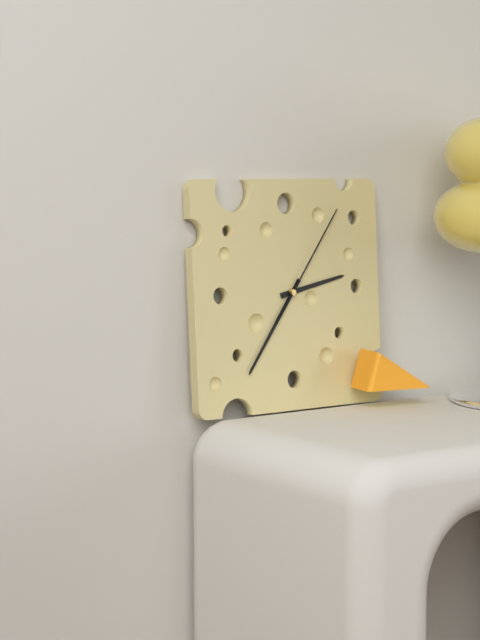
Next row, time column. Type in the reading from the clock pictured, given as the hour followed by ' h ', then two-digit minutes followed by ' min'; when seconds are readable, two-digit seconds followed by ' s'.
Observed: 2 h 36 min 06 s
